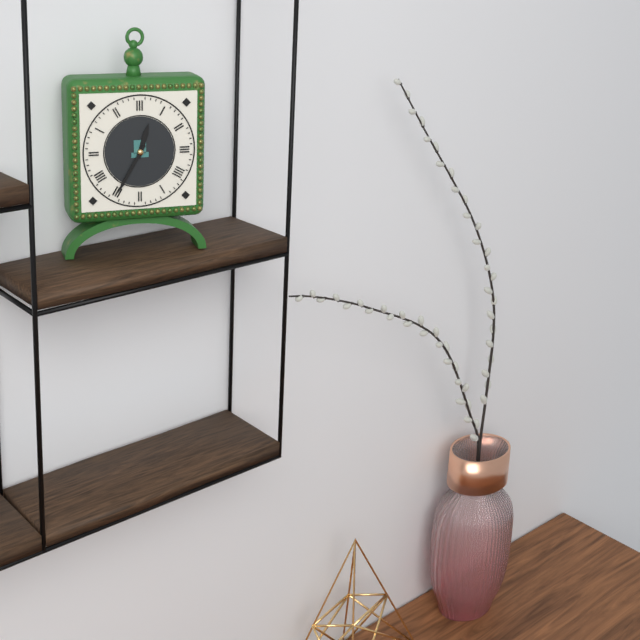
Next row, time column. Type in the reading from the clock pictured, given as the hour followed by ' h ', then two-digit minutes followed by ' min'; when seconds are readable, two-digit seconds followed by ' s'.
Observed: 12 h 35 min
